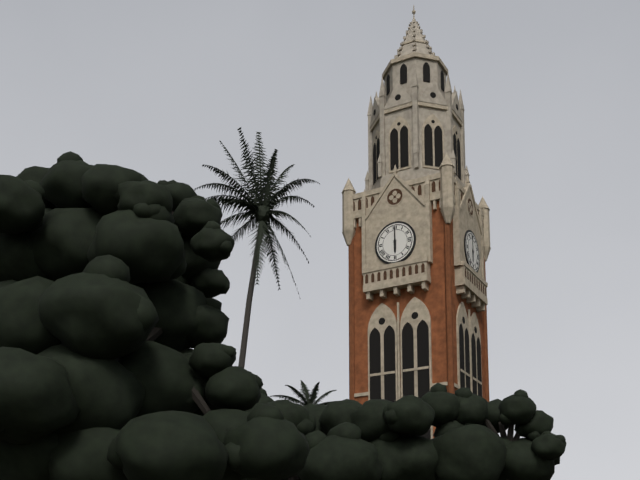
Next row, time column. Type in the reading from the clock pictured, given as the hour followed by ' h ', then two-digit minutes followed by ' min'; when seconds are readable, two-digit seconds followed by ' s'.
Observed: 6 h 00 min
